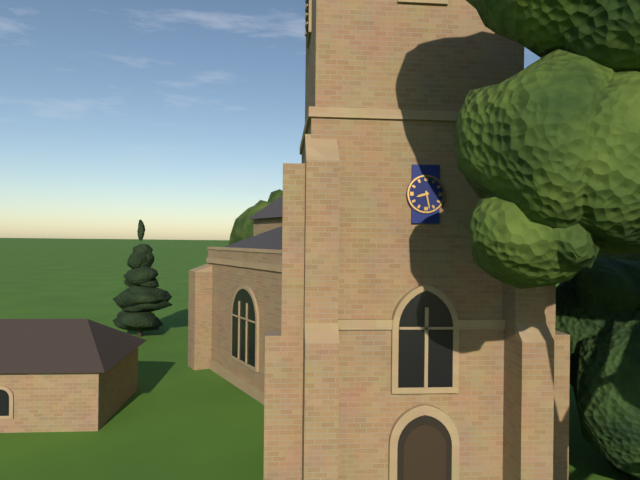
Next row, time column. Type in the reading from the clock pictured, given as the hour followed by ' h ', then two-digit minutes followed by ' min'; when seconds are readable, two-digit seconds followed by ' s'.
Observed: 8 h 28 min
